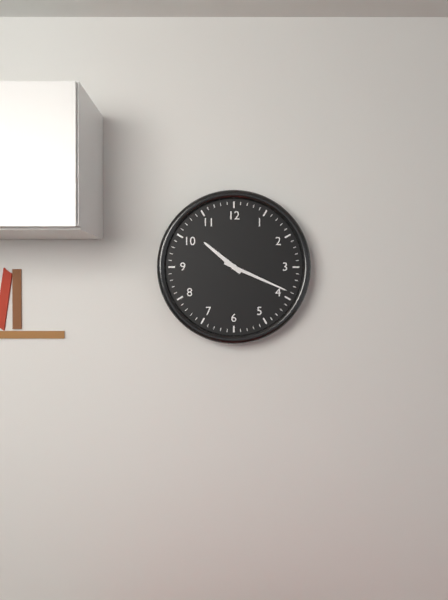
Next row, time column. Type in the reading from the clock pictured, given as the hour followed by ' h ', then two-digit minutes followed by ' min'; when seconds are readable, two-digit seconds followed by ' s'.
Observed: 10 h 19 min
